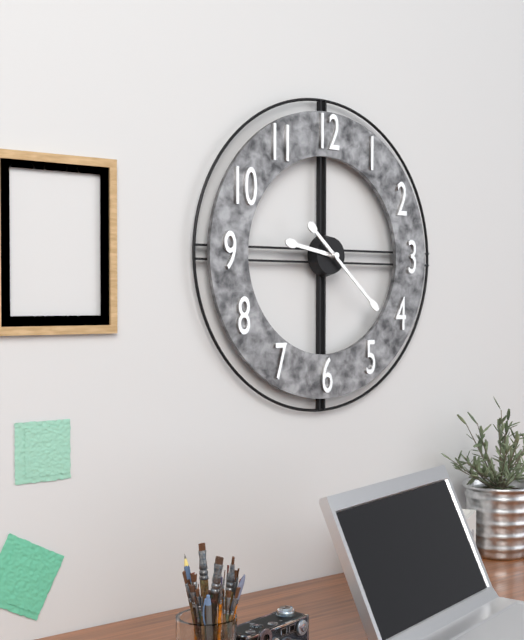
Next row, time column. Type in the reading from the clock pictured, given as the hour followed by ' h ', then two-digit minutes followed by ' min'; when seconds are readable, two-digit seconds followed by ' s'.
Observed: 9 h 22 min
